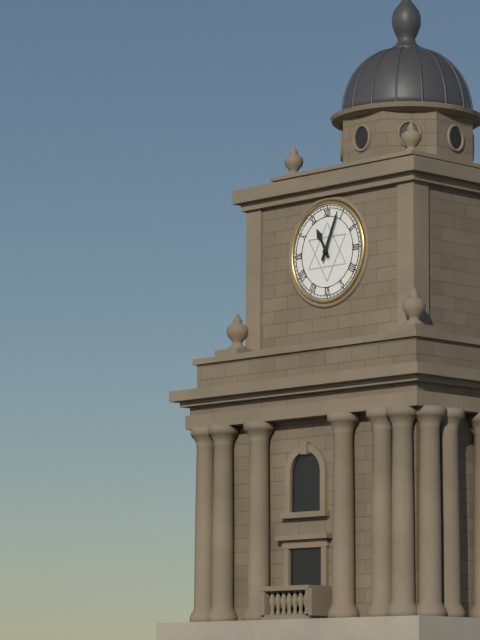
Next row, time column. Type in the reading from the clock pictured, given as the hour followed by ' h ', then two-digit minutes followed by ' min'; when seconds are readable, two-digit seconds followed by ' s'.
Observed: 11 h 04 min
